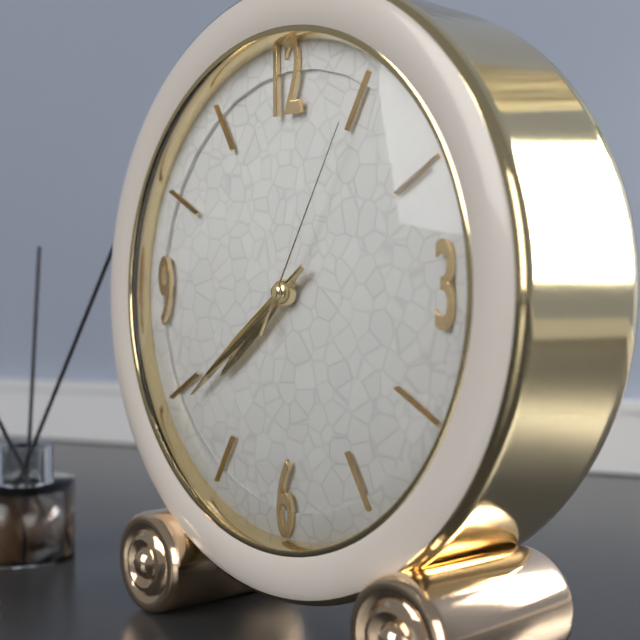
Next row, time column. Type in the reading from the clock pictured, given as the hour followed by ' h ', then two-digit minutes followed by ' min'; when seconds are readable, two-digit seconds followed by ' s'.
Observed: 7 h 39 min 05 s
